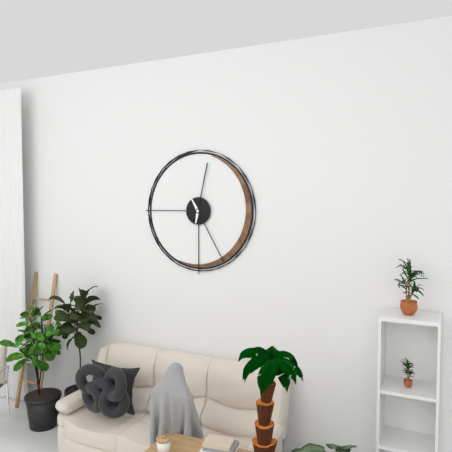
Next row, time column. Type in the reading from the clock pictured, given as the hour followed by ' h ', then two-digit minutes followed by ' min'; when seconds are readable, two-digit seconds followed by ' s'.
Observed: 12 h 25 min
